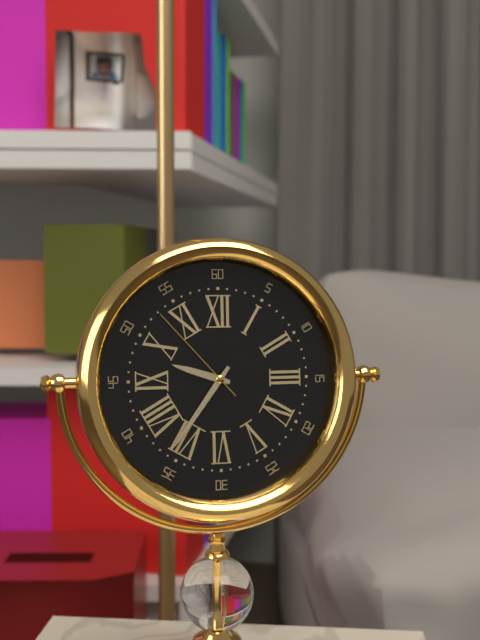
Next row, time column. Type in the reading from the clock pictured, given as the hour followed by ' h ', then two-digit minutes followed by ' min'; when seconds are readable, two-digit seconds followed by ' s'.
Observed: 9 h 36 min 53 s
